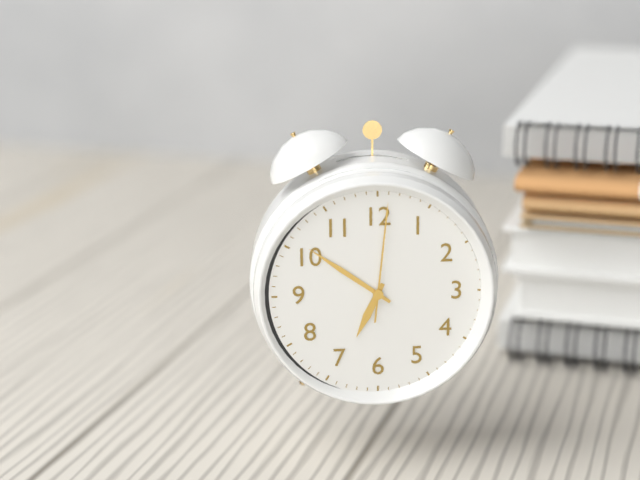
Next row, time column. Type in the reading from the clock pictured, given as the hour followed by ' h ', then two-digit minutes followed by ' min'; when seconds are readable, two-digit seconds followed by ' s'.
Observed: 6 h 51 min 01 s
